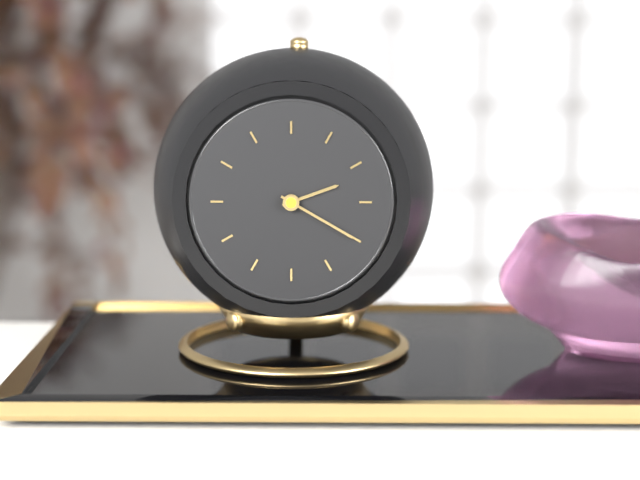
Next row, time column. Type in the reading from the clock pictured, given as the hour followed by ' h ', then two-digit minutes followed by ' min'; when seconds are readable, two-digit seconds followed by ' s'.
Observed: 2 h 20 min
